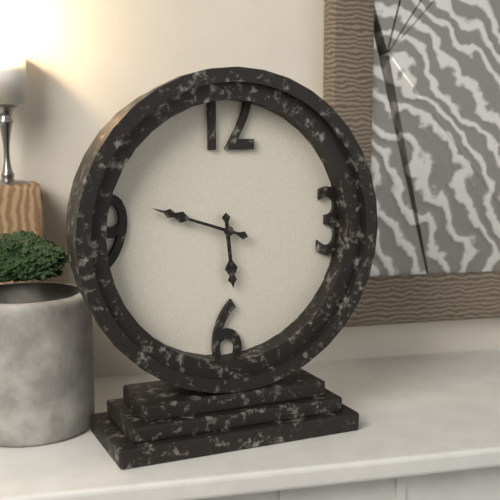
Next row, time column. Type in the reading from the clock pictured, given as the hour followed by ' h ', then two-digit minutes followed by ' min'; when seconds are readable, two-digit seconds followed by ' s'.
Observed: 5 h 48 min
